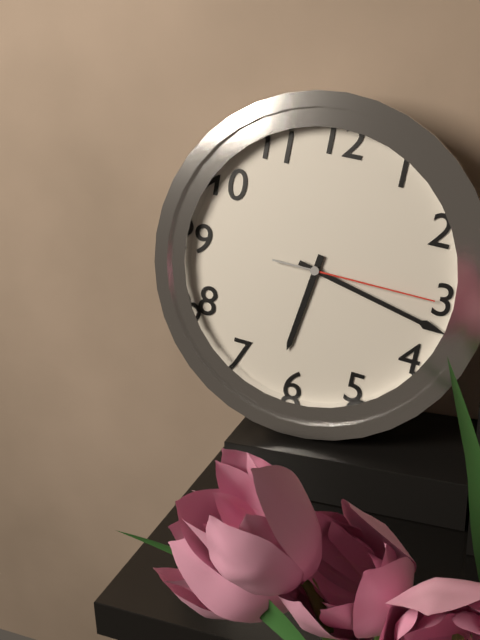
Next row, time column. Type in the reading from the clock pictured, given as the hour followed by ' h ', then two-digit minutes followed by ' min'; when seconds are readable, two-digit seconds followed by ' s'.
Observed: 6 h 17 min 15 s
